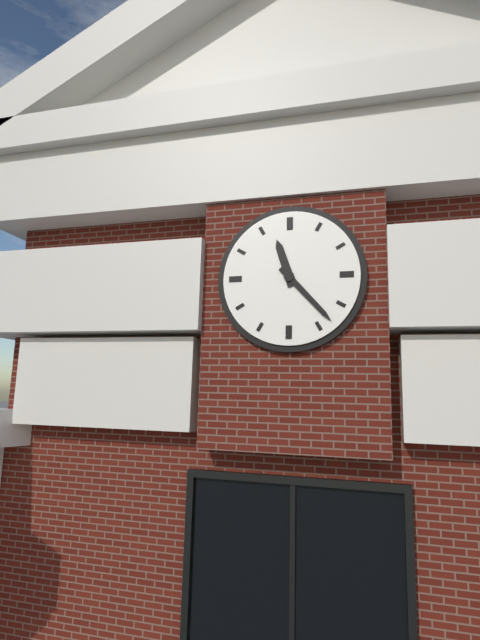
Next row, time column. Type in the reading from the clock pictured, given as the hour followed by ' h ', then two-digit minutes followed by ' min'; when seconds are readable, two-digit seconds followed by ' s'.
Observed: 11 h 23 min
